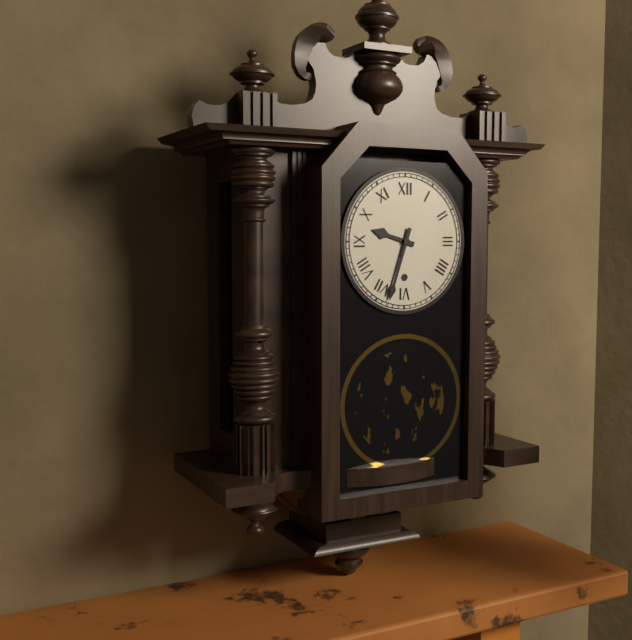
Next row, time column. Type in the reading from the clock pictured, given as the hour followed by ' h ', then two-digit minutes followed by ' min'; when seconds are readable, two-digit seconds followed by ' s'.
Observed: 9 h 33 min
